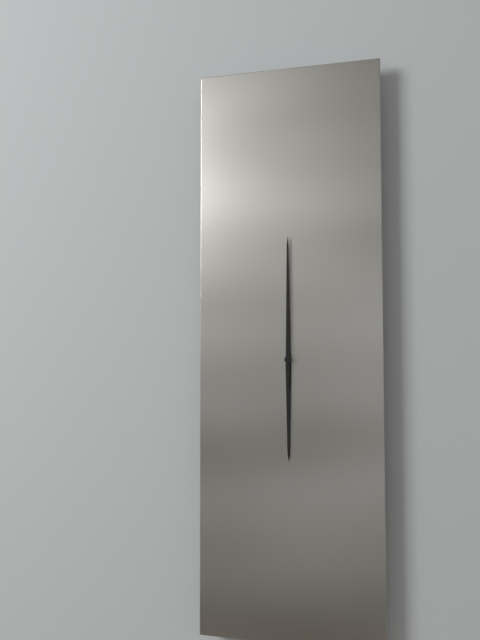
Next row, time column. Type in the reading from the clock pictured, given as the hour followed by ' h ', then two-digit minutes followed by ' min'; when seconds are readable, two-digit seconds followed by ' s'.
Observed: 6 h 00 min
